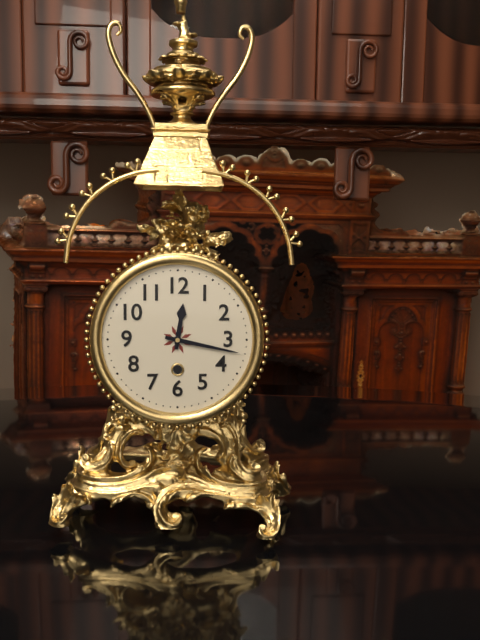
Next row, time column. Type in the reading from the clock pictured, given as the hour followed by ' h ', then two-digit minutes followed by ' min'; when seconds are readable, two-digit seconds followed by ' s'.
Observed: 12 h 17 min
